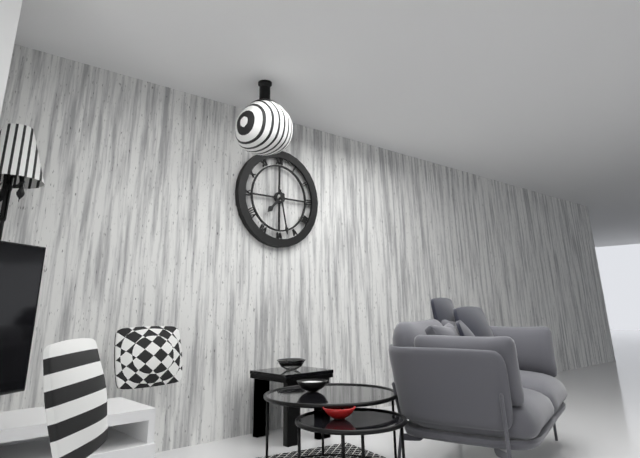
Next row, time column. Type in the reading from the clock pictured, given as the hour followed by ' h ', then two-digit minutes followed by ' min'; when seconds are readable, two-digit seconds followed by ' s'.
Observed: 7 h 28 min
